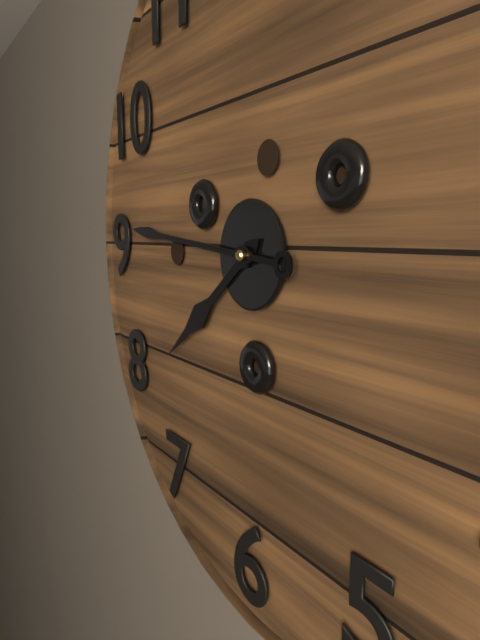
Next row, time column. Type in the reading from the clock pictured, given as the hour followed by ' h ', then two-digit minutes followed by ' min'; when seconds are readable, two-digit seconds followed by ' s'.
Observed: 7 h 46 min
